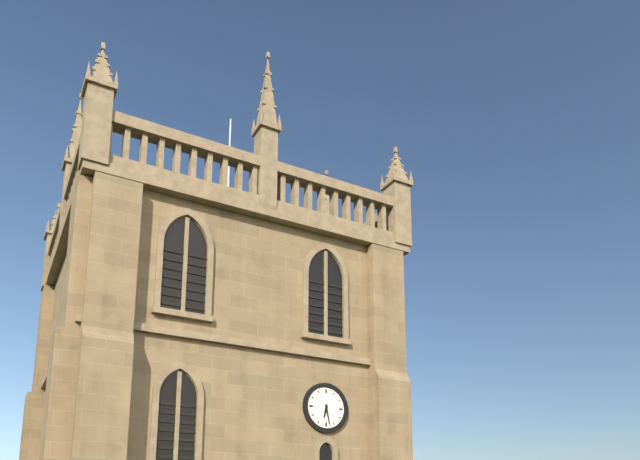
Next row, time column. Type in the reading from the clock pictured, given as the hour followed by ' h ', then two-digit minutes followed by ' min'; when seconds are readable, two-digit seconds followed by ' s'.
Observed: 6 h 28 min
